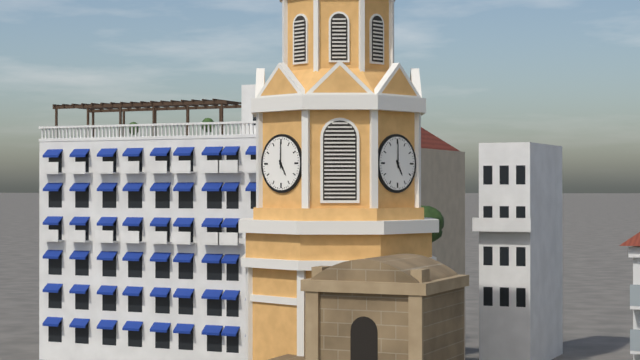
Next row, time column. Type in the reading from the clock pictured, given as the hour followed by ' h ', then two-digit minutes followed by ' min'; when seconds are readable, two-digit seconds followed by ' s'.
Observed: 5 h 00 min
